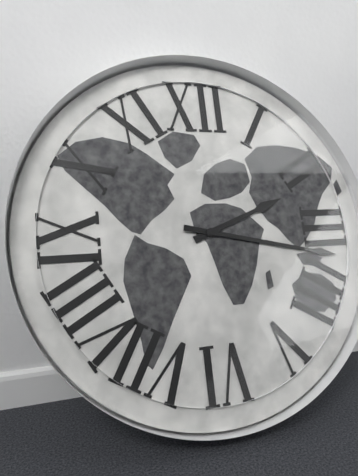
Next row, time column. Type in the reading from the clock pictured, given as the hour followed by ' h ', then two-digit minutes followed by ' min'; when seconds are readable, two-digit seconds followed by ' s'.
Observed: 2 h 17 min
